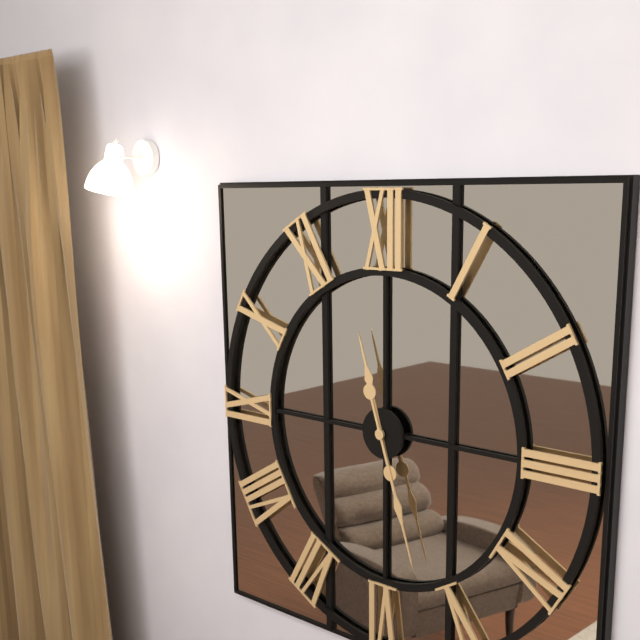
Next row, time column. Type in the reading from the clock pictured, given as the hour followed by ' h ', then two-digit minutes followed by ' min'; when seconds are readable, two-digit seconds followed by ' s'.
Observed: 11 h 27 min
